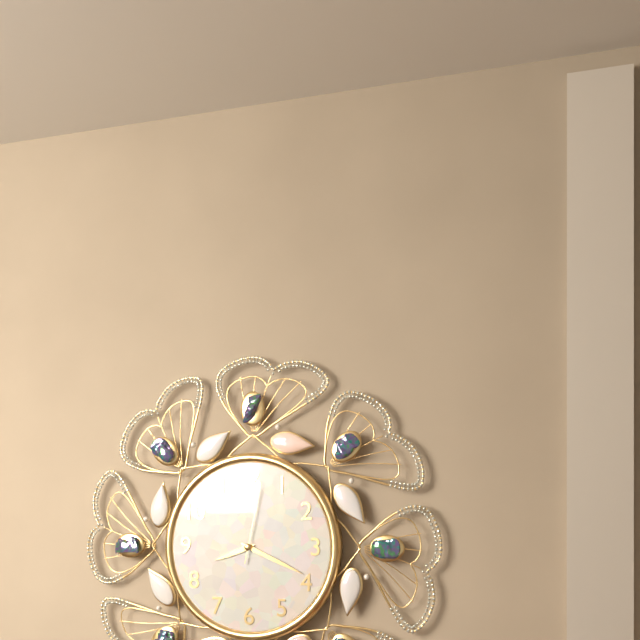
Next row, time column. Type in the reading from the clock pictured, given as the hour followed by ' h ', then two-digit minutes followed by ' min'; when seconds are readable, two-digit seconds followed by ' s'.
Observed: 8 h 19 min 02 s
